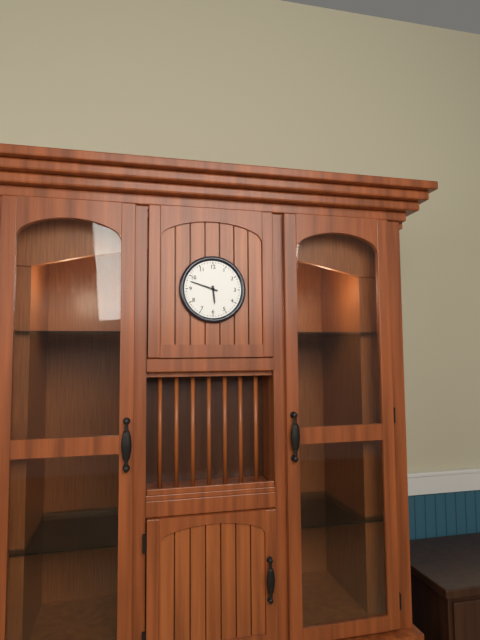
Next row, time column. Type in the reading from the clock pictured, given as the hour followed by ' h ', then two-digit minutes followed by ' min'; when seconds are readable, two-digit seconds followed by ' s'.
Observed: 5 h 48 min
